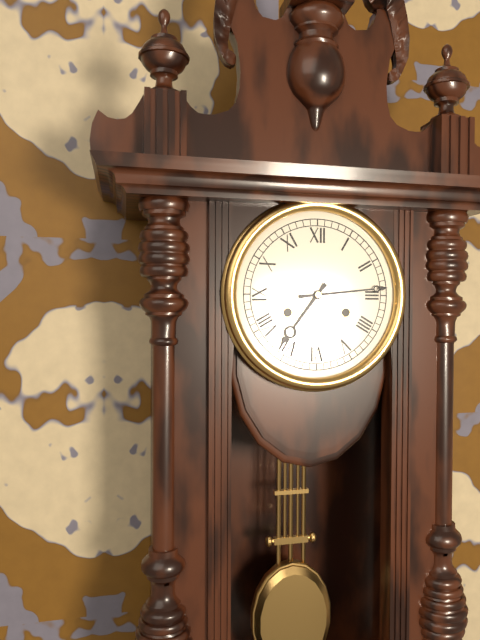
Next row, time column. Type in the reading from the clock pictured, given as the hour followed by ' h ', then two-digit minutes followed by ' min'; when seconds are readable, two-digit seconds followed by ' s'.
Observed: 7 h 14 min
